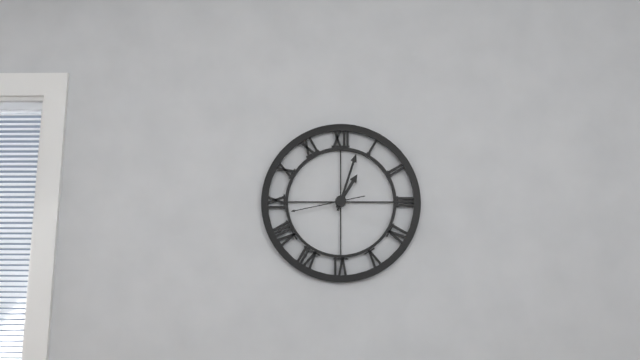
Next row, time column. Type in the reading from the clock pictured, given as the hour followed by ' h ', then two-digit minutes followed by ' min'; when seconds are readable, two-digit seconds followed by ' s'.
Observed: 1 h 03 min 43 s
